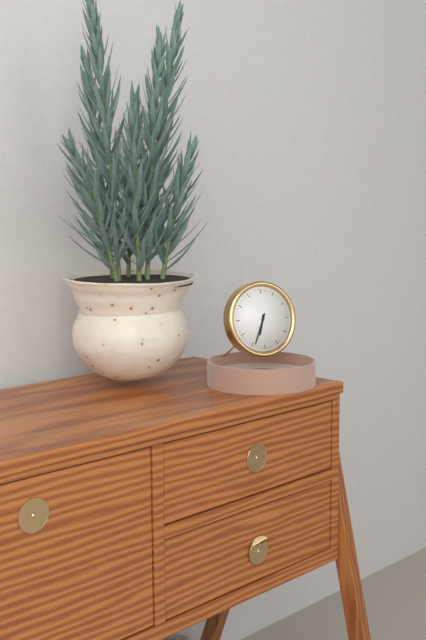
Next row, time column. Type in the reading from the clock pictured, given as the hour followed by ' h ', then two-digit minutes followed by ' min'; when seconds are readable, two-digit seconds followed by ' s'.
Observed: 6 h 34 min
